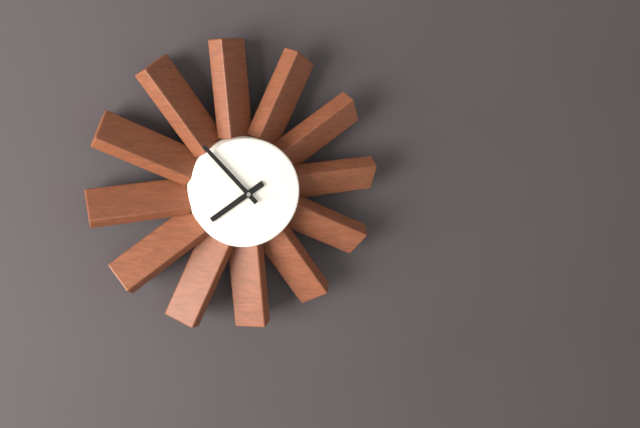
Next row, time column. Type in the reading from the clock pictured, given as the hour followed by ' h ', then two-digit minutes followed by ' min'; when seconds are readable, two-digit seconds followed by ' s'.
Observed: 7 h 53 min
